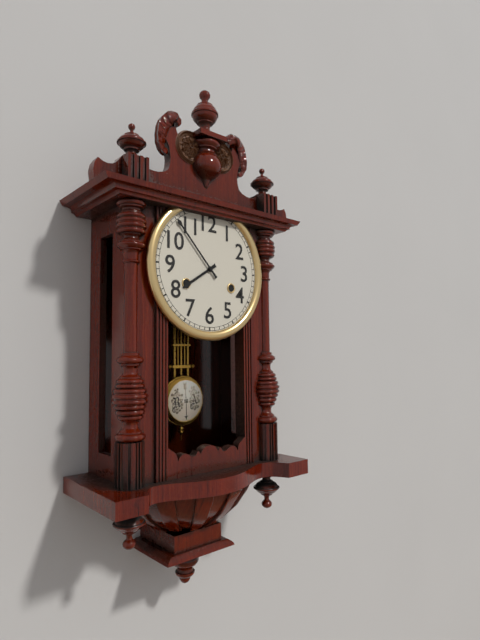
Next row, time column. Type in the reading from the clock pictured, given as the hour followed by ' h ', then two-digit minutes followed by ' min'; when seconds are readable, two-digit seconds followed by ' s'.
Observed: 7 h 53 min
